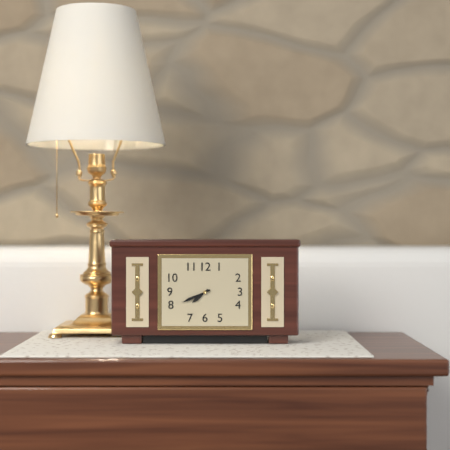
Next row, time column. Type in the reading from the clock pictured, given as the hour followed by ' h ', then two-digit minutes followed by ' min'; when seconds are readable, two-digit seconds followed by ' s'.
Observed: 7 h 41 min
